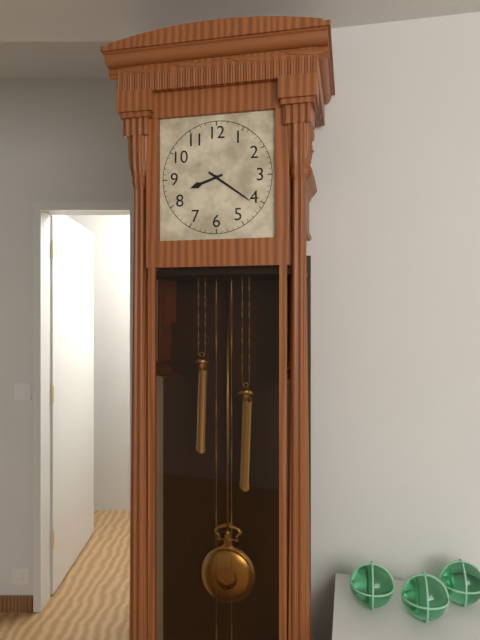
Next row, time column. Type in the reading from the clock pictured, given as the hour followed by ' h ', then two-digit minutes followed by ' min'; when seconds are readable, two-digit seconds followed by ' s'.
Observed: 8 h 21 min
